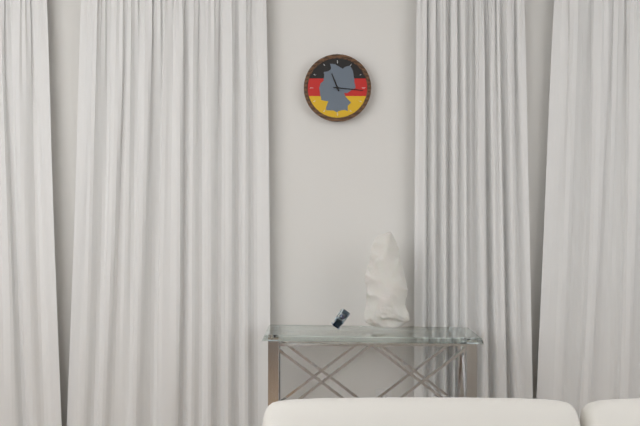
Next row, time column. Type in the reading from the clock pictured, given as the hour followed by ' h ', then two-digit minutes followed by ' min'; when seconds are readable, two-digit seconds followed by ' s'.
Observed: 11 h 16 min
